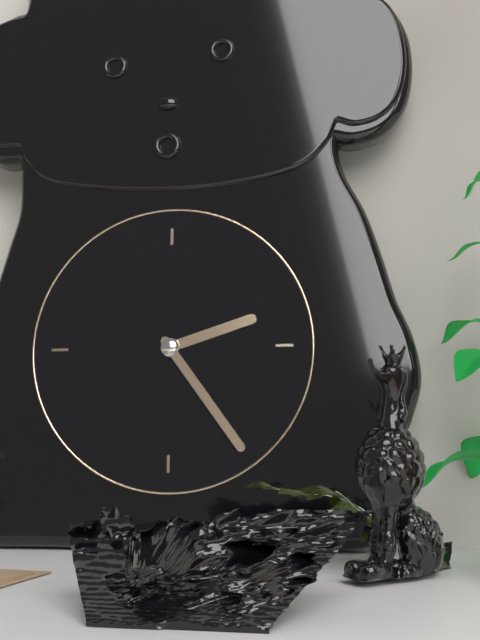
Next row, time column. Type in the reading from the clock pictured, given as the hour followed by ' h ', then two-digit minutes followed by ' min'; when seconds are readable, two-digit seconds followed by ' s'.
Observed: 2 h 24 min
